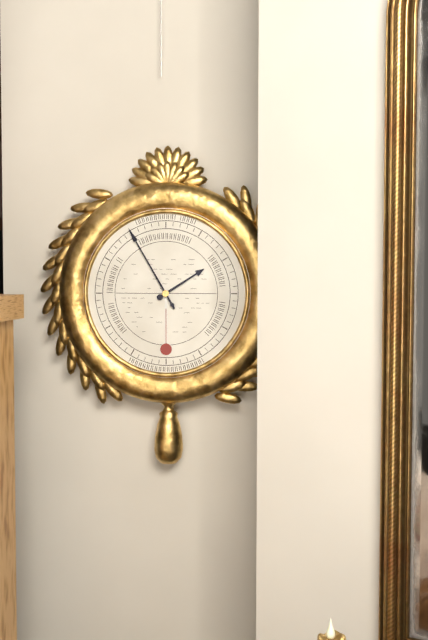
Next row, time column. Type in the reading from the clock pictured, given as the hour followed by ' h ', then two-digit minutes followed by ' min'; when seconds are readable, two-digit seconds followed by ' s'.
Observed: 1 h 55 min
